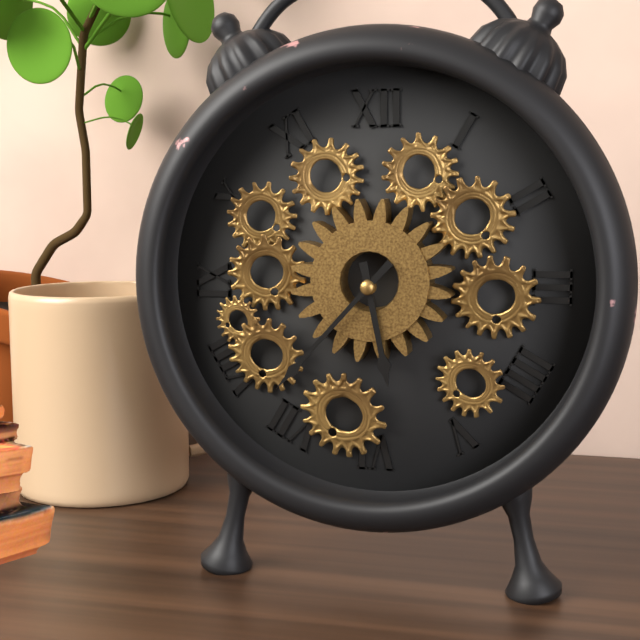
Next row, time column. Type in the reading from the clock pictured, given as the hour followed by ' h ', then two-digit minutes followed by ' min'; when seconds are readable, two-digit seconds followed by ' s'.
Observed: 5 h 37 min
